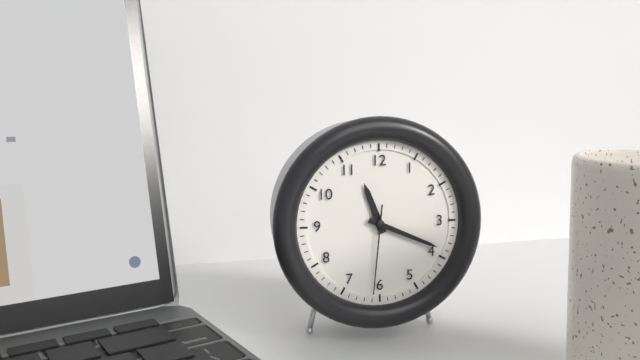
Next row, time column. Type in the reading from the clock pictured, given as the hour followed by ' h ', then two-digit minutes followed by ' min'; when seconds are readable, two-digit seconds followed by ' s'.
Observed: 11 h 19 min 31 s
